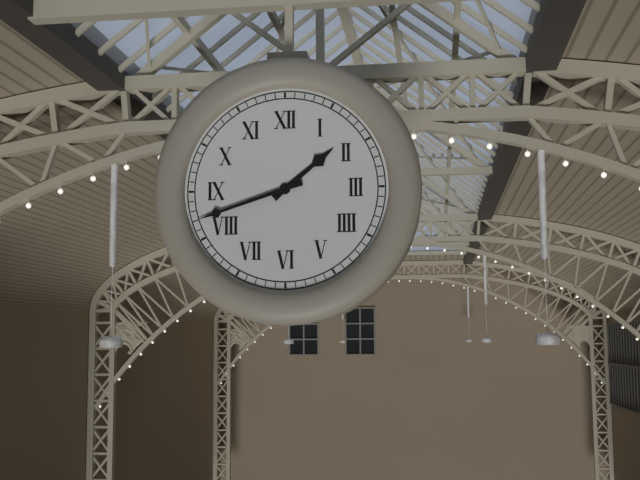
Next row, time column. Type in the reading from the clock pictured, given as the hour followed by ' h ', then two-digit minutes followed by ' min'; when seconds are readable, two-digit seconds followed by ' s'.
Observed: 1 h 42 min
